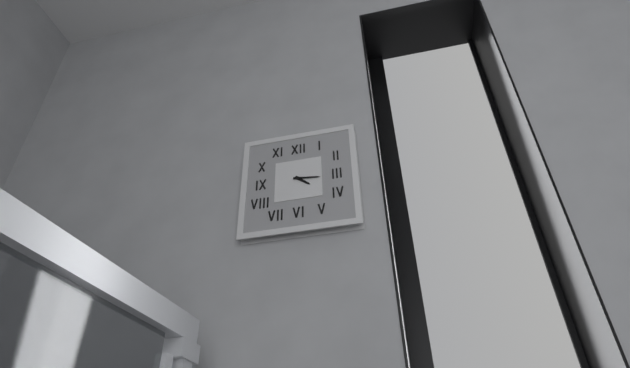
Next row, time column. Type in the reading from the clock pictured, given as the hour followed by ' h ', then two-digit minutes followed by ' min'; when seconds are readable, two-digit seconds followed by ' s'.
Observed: 4 h 16 min
